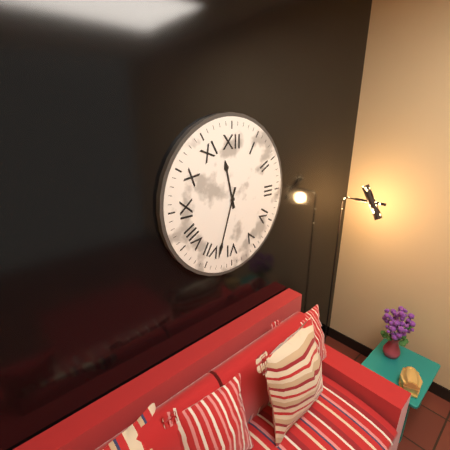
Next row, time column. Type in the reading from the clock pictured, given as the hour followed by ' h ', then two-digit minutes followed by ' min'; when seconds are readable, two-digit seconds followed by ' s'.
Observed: 11 h 33 min
